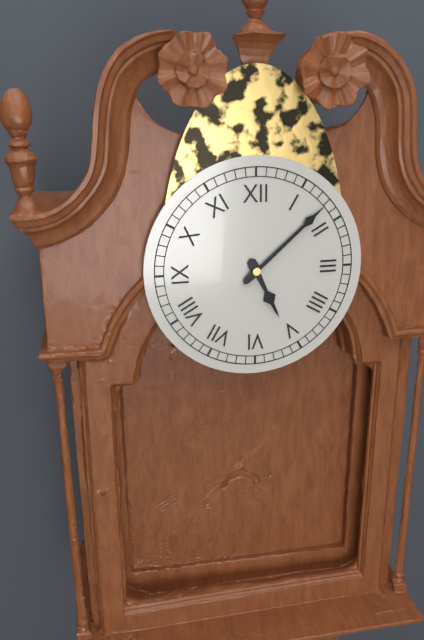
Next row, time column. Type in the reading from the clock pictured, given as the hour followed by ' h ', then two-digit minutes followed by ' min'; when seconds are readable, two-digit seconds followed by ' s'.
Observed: 5 h 08 min
